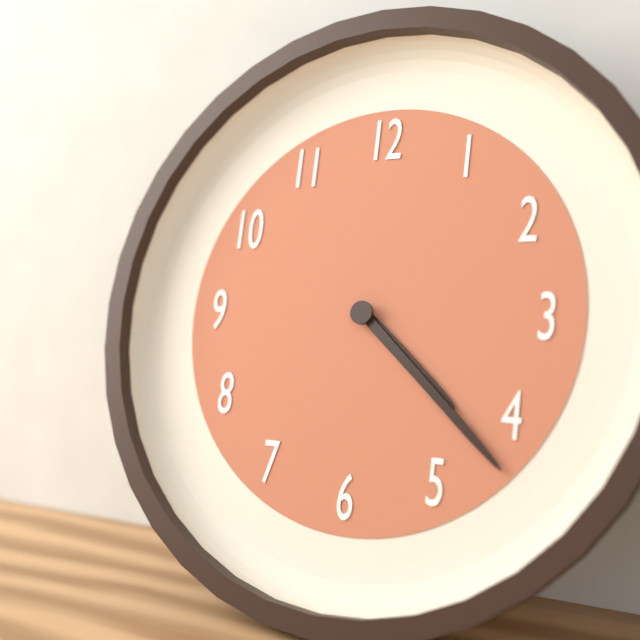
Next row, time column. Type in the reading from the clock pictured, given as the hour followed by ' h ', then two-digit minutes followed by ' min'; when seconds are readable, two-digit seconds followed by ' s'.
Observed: 4 h 22 min
